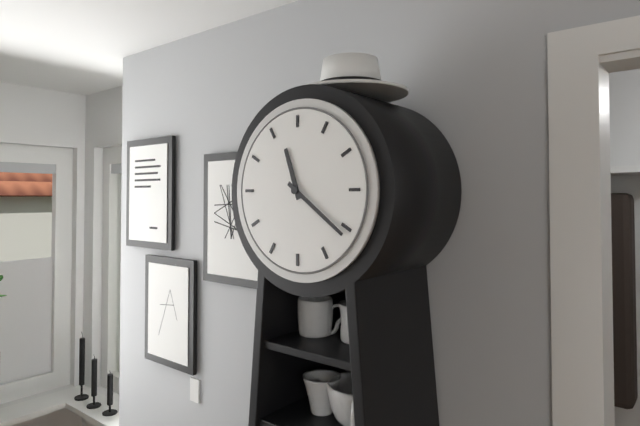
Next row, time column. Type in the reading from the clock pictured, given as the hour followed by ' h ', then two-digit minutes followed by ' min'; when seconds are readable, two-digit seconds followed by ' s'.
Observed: 11 h 21 min
